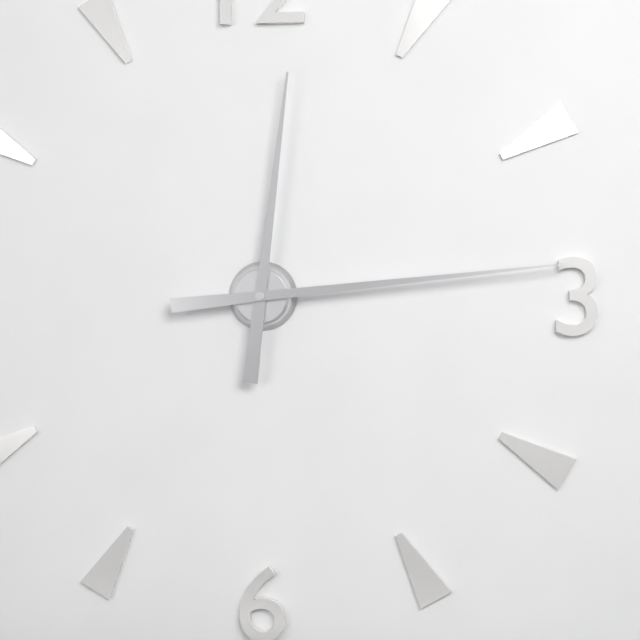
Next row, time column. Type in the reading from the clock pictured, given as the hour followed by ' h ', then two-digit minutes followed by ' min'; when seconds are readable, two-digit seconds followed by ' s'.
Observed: 12 h 14 min
